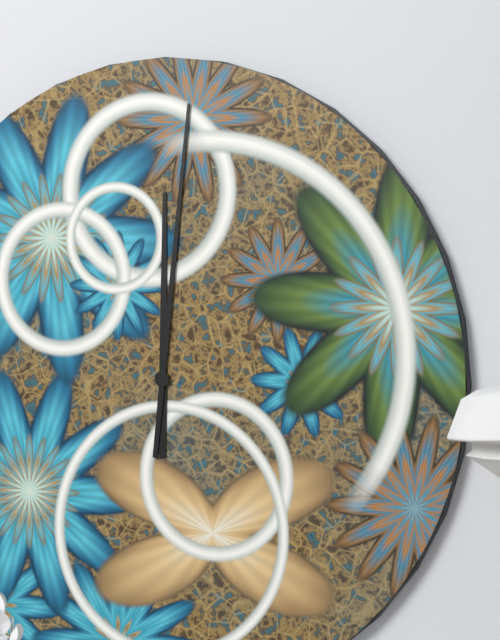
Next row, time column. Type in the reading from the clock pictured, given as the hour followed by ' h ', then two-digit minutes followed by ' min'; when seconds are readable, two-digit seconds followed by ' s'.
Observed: 12 h 01 min
